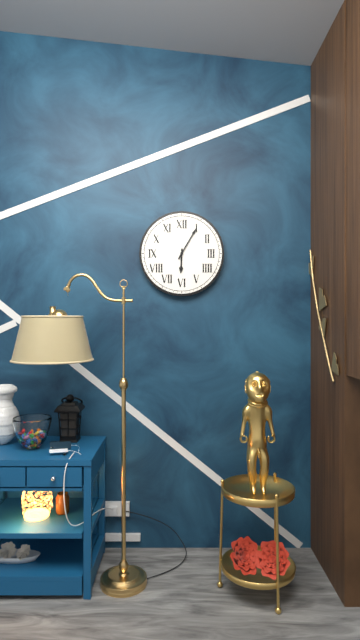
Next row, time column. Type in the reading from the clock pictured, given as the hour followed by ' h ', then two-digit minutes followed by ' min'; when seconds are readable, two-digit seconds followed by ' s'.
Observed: 6 h 05 min
